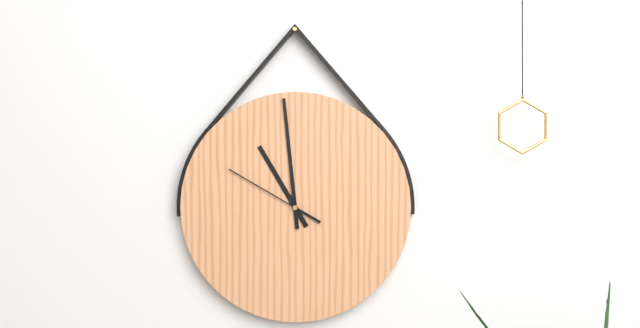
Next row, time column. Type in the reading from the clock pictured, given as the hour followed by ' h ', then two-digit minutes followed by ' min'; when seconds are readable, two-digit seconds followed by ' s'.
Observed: 10 h 59 min 50 s
